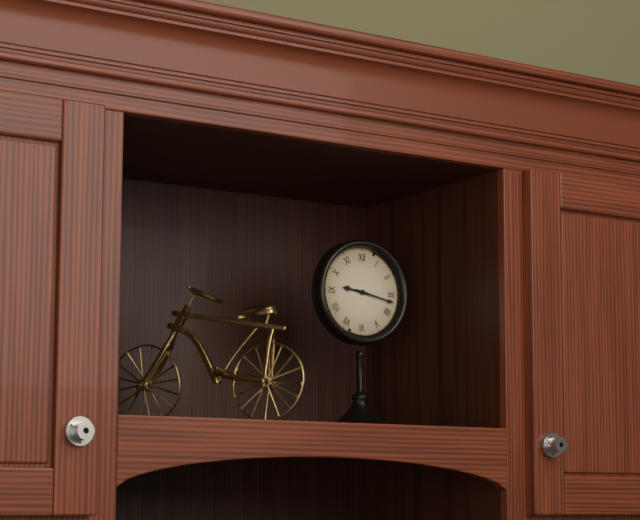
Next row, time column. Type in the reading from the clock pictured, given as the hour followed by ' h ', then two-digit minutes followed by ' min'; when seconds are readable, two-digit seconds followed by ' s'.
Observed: 9 h 17 min
